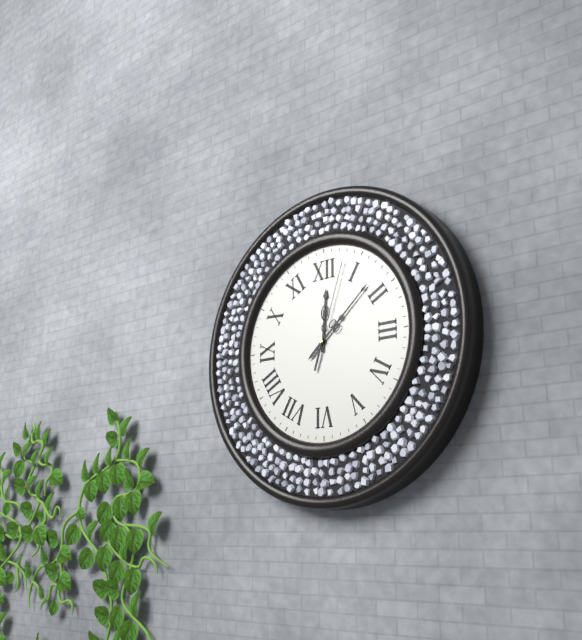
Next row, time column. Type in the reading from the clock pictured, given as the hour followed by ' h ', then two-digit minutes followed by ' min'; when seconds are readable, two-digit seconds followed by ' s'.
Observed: 12 h 08 min 03 s
